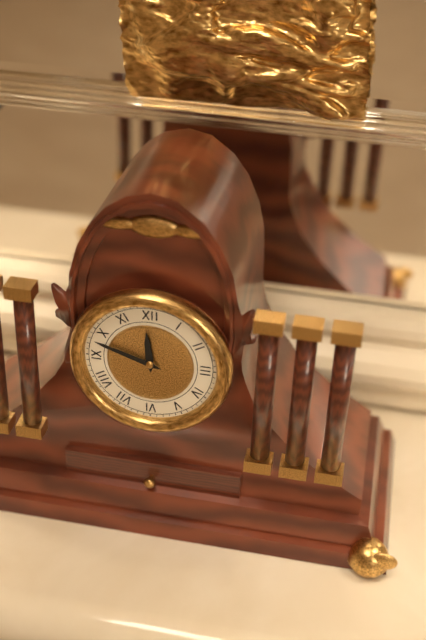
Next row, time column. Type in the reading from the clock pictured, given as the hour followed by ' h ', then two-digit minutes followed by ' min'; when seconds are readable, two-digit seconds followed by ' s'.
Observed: 11 h 48 min
